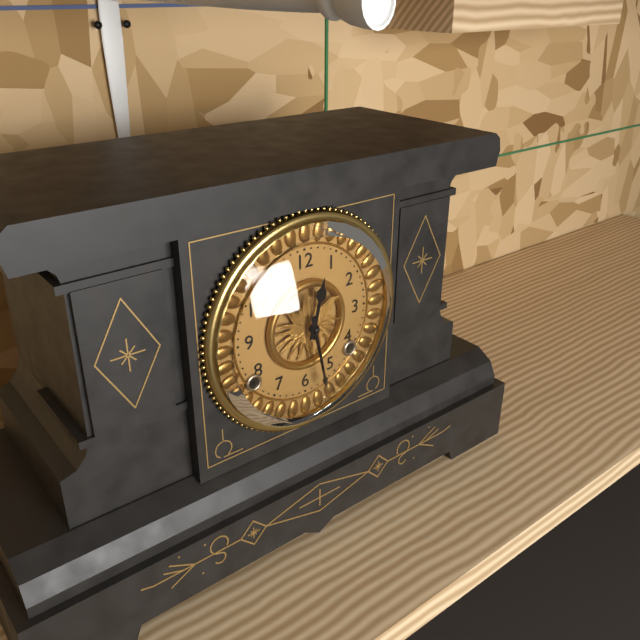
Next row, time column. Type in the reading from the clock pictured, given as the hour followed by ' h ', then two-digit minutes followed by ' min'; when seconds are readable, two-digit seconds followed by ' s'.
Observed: 12 h 28 min
